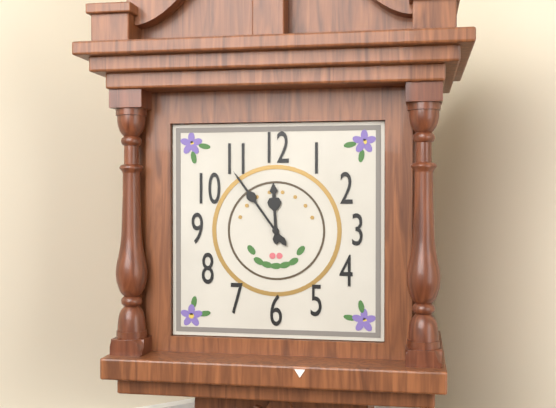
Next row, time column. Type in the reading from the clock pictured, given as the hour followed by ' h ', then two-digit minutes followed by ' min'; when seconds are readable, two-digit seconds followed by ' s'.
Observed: 11 h 54 min
